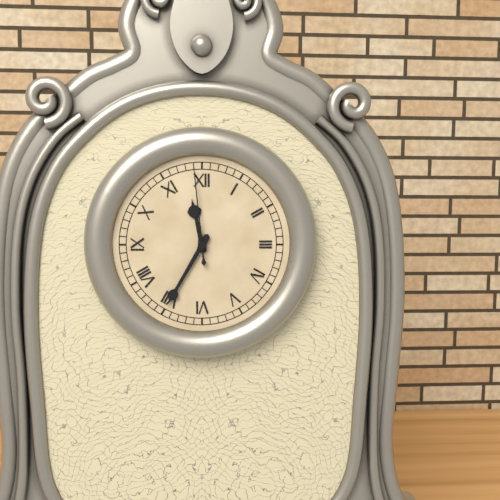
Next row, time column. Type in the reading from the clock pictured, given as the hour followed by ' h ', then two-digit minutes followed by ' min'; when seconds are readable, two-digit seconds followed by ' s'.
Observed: 11 h 35 min 59 s
